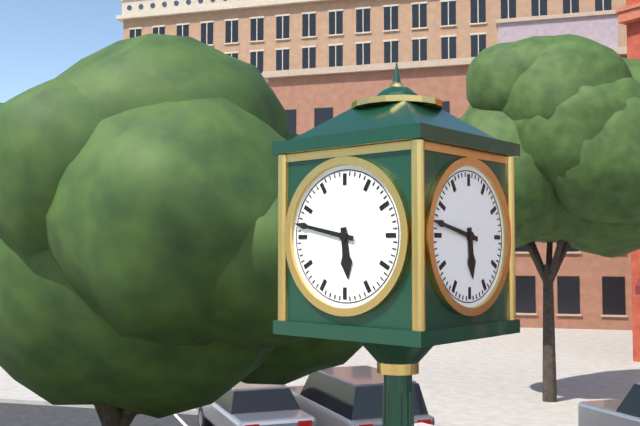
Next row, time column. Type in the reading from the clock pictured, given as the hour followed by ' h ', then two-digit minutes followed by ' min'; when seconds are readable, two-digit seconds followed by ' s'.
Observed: 5 h 47 min
